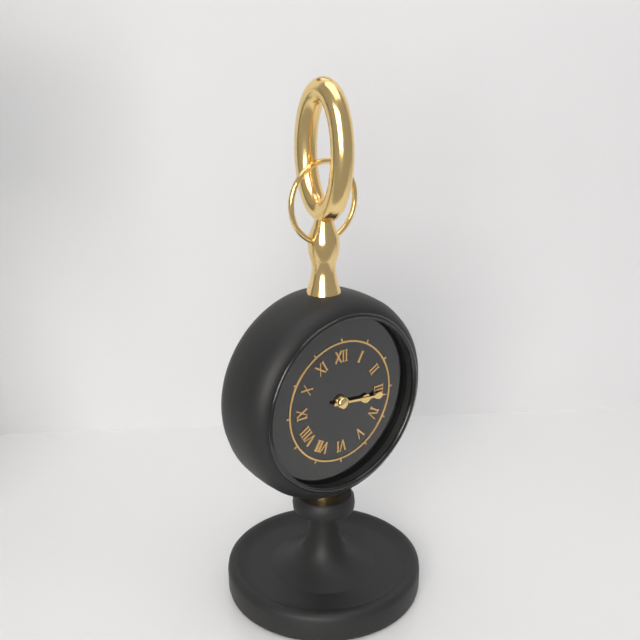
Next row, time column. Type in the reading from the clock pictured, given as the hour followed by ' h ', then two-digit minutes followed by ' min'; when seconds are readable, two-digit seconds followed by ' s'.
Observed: 3 h 16 min
